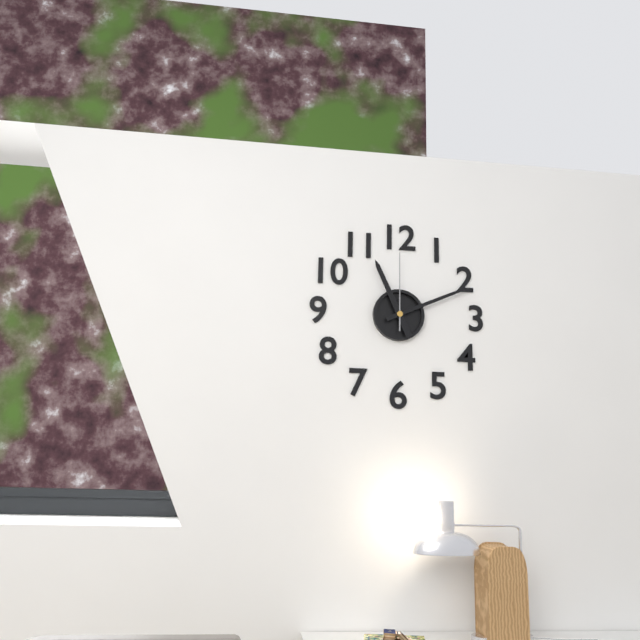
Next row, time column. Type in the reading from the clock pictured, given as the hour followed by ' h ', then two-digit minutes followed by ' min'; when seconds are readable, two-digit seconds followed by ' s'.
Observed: 11 h 11 min 00 s
